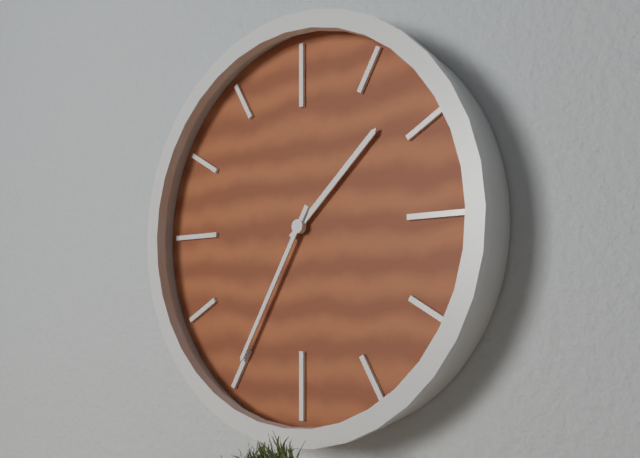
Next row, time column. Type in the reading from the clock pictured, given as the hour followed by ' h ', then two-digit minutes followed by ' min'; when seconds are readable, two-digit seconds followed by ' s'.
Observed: 1 h 35 min
